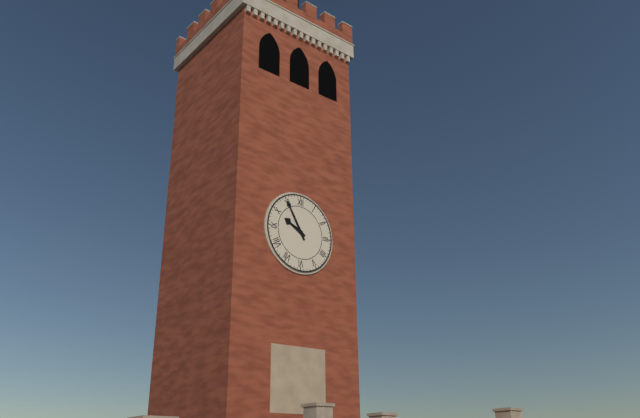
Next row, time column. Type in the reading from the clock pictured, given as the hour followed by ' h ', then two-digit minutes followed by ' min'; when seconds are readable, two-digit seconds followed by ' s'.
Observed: 9 h 55 min
